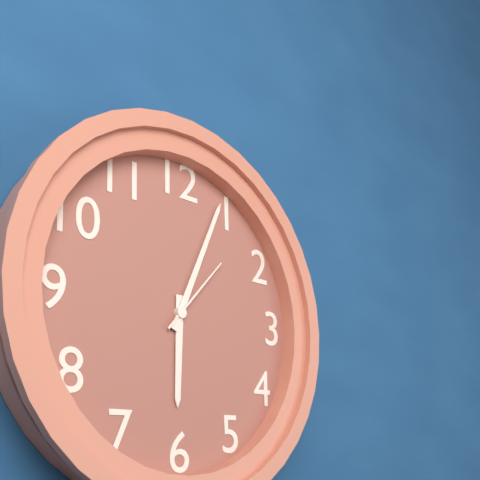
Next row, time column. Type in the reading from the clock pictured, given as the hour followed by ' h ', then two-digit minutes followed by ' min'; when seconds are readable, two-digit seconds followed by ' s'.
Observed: 6 h 04 min 07 s
